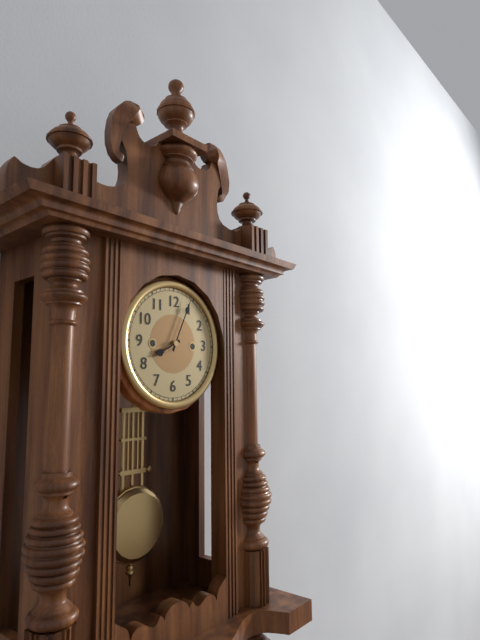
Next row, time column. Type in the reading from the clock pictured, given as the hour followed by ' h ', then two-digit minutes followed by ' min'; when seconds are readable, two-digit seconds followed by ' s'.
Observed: 8 h 04 min
